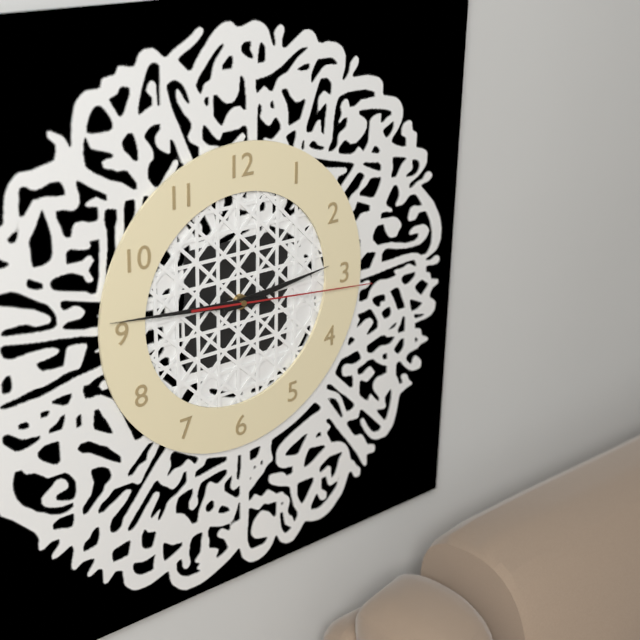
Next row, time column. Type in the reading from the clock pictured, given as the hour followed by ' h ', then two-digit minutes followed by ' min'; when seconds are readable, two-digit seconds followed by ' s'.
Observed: 2 h 46 min 16 s
